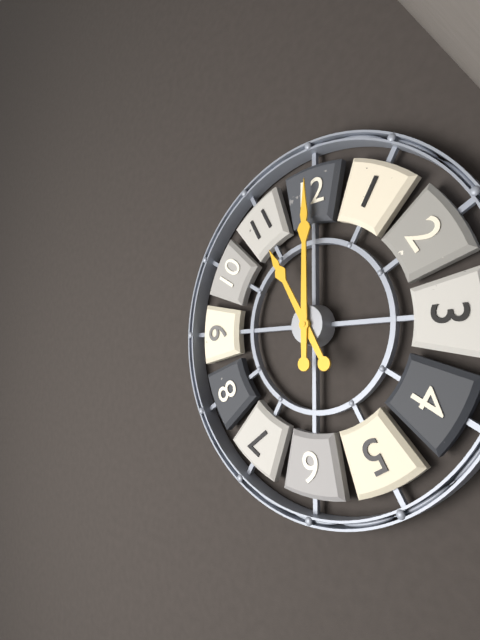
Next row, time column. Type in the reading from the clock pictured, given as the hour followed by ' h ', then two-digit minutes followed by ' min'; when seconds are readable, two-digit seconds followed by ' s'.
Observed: 11 h 00 min
